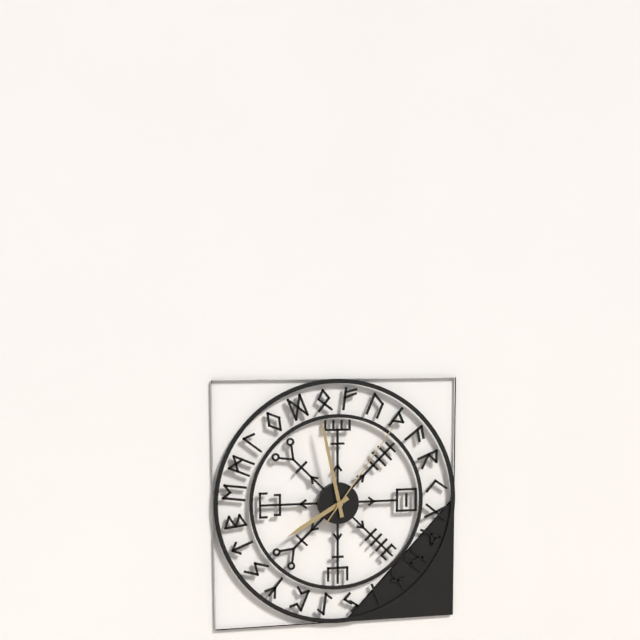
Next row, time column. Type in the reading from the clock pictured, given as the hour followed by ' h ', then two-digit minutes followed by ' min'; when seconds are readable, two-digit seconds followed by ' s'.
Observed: 7 h 58 min 06 s
